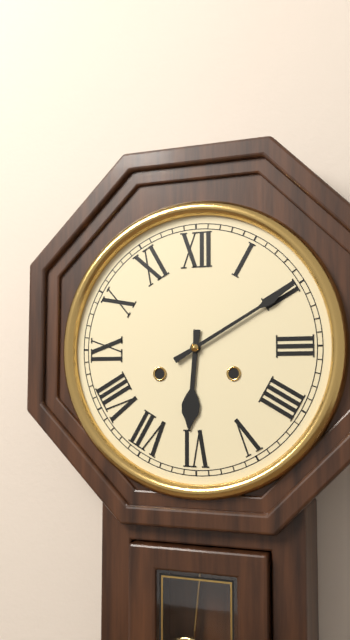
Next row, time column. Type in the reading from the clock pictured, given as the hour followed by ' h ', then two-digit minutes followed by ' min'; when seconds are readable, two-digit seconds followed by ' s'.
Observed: 6 h 10 min
